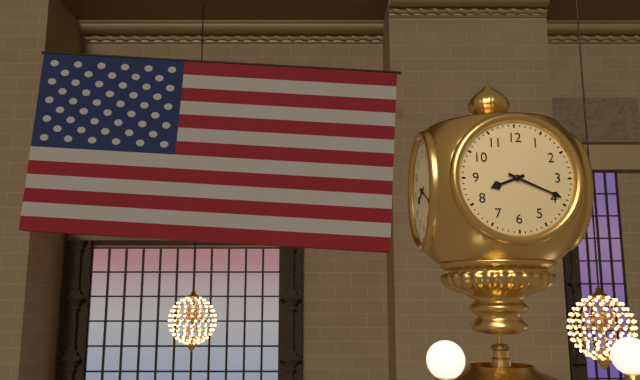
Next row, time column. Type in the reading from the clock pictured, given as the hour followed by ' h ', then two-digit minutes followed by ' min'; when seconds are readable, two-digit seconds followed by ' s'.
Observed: 8 h 19 min
